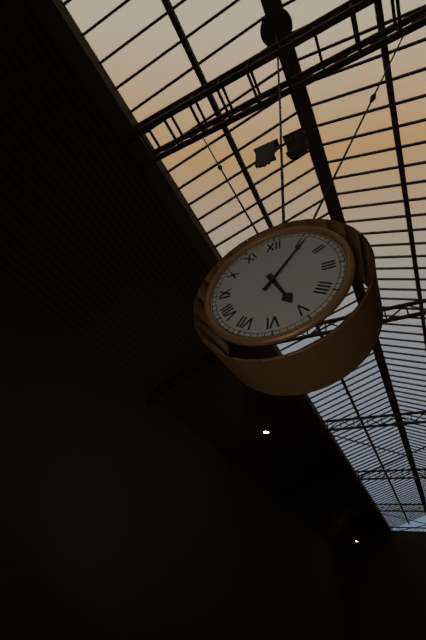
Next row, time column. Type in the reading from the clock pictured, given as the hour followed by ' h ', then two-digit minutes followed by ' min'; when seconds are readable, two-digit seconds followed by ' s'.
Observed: 5 h 06 min
